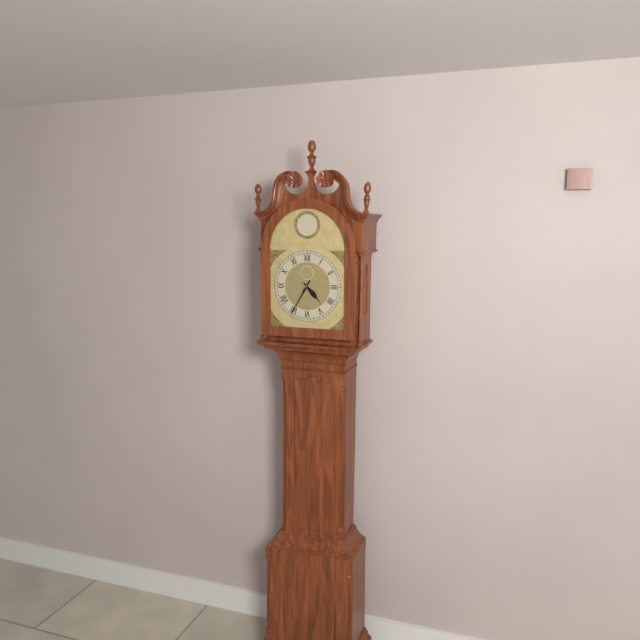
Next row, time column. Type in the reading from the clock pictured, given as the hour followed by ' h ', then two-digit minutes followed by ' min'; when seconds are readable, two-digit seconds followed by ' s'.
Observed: 4 h 35 min
